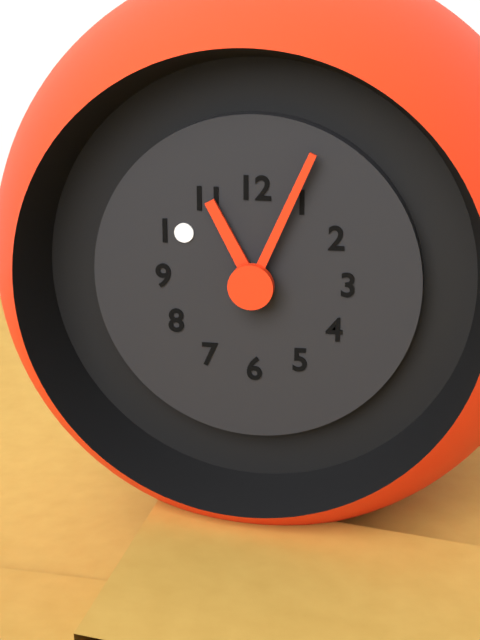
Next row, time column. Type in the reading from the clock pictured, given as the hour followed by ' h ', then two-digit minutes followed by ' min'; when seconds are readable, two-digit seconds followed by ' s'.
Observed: 11 h 04 min
